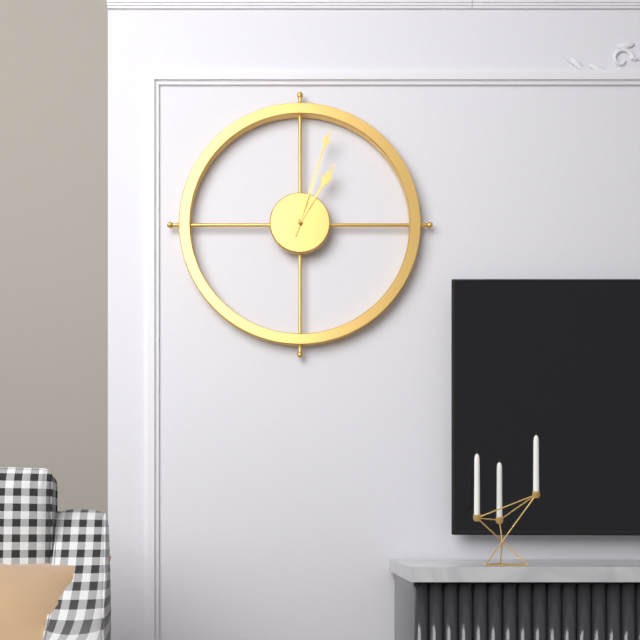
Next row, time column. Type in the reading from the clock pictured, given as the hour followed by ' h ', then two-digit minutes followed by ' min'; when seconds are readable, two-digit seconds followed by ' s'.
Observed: 1 h 03 min
